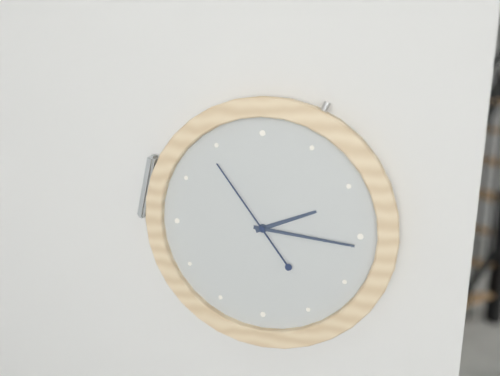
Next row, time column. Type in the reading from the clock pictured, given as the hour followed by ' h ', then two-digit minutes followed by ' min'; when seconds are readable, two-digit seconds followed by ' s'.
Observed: 2 h 16 min 54 s
